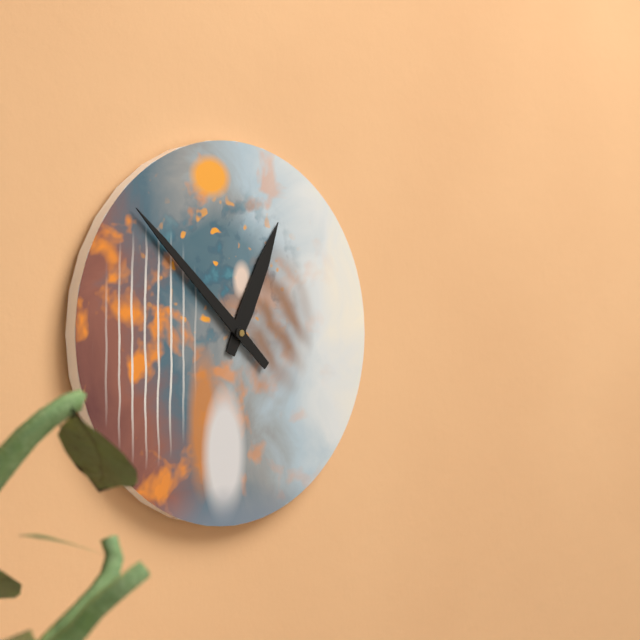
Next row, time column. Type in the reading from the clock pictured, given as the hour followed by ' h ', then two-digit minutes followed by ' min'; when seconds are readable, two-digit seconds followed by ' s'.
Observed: 12 h 52 min
